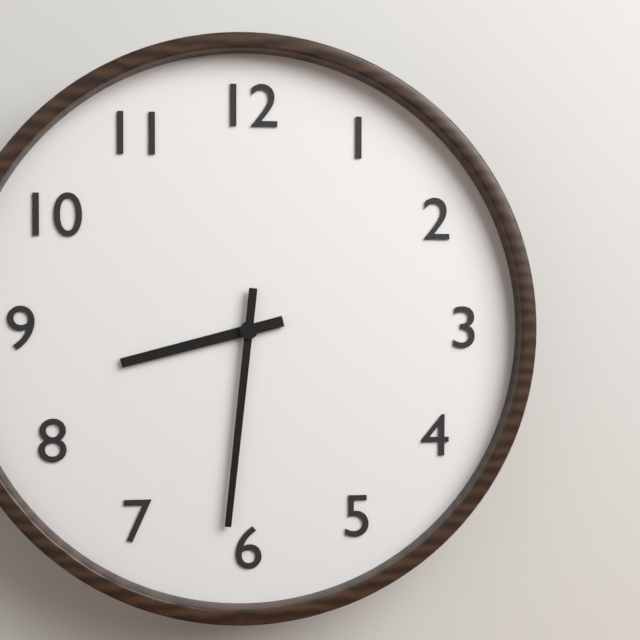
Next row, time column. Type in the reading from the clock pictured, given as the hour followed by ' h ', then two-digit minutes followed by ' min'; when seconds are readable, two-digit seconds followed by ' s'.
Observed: 8 h 31 min
